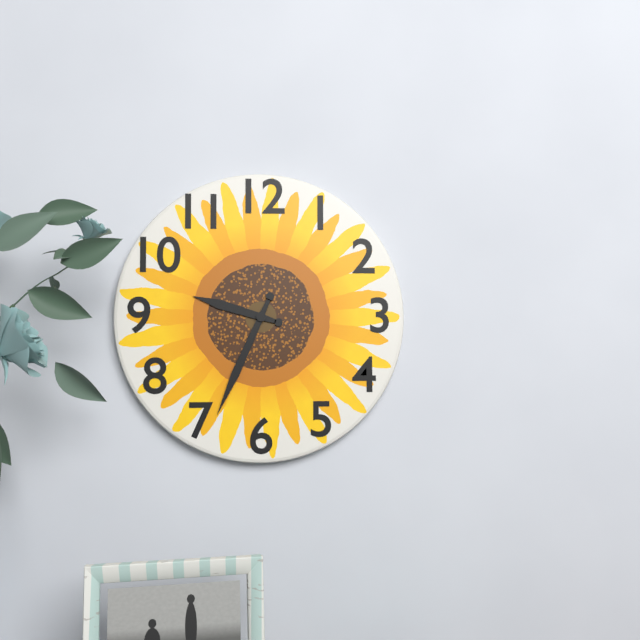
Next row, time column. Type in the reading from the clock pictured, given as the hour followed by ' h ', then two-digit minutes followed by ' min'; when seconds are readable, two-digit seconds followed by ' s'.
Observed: 9 h 34 min
